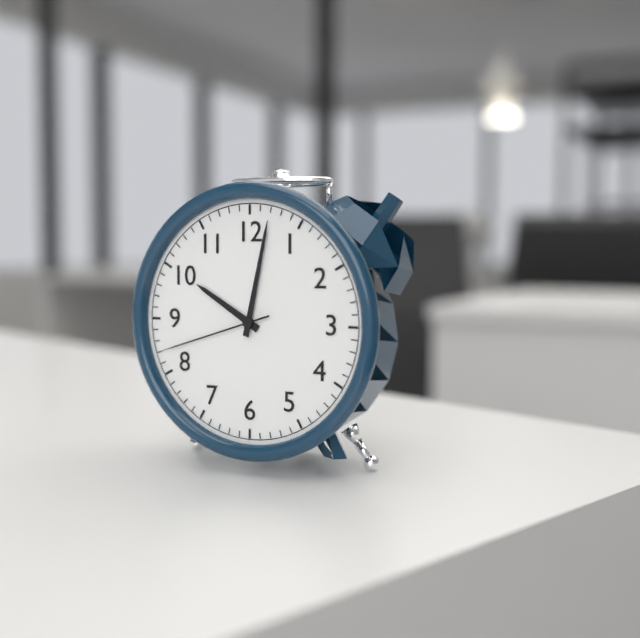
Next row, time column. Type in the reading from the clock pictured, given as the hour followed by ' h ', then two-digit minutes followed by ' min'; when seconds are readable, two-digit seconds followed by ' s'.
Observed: 10 h 02 min 42 s
